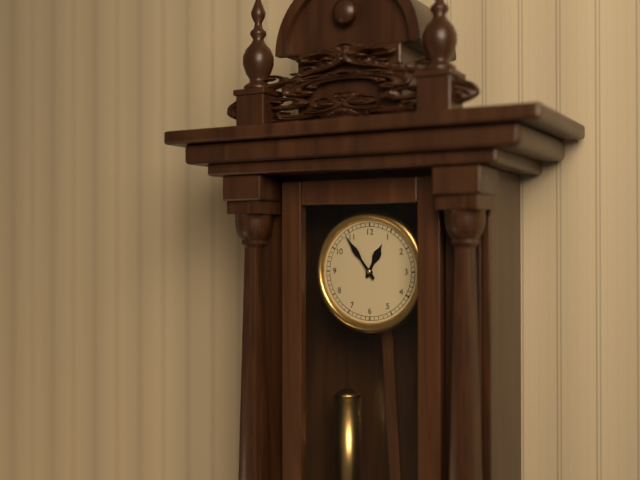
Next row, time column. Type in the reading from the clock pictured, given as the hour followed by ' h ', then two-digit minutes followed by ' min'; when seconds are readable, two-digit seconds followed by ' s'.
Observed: 12 h 54 min
